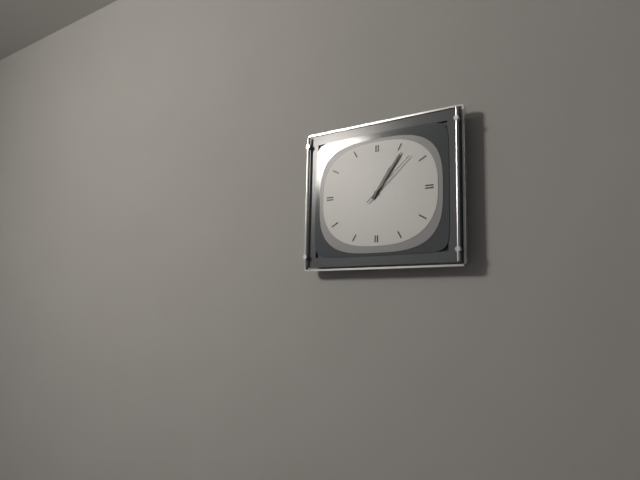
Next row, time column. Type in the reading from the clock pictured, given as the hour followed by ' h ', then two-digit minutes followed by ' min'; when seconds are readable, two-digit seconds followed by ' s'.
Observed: 1 h 06 min 08 s
